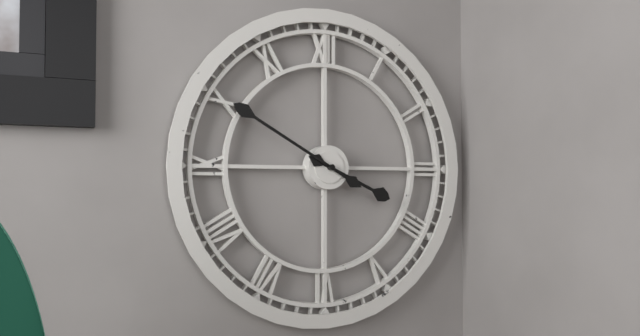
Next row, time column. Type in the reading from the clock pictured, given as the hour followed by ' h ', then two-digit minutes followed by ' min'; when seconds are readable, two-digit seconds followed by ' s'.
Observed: 3 h 50 min
